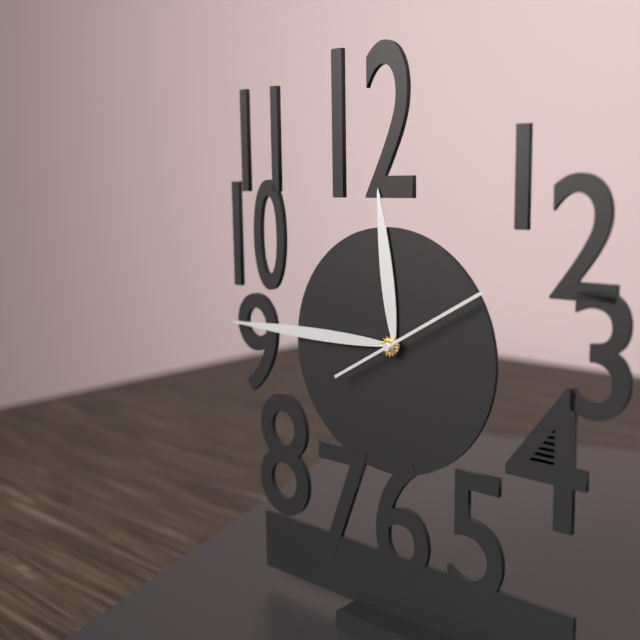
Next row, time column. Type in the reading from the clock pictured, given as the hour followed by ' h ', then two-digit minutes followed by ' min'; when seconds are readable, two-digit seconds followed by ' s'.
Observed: 11 h 45 min 10 s
